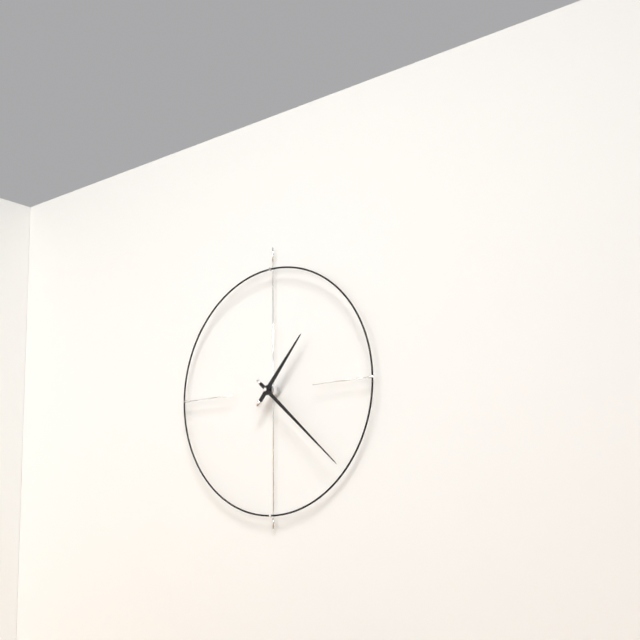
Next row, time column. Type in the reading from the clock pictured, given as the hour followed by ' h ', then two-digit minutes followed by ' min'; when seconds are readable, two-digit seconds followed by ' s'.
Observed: 1 h 22 min
